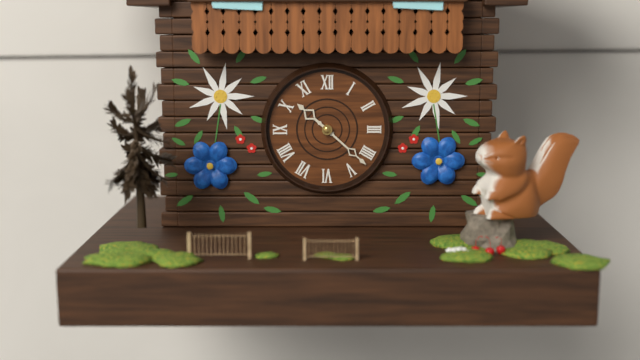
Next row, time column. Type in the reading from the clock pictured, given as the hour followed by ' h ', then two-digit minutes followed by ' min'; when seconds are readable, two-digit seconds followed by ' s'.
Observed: 10 h 22 min
